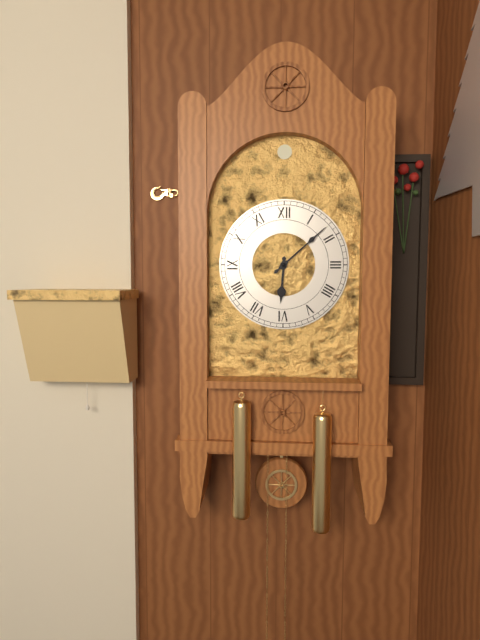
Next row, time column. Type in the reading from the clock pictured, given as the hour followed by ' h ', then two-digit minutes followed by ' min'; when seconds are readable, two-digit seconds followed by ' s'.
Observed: 6 h 08 min
